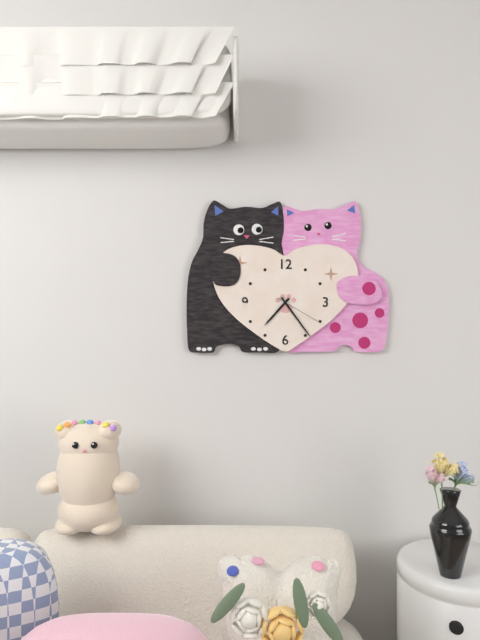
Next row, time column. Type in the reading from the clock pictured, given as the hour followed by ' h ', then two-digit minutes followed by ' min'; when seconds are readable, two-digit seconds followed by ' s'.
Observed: 7 h 24 min 20 s
